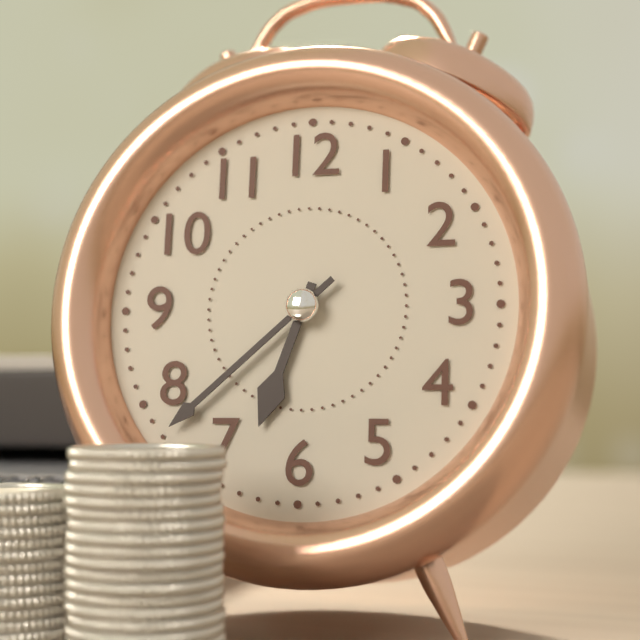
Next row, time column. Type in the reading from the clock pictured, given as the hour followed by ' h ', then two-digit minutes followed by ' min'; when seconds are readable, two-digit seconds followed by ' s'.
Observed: 6 h 38 min
